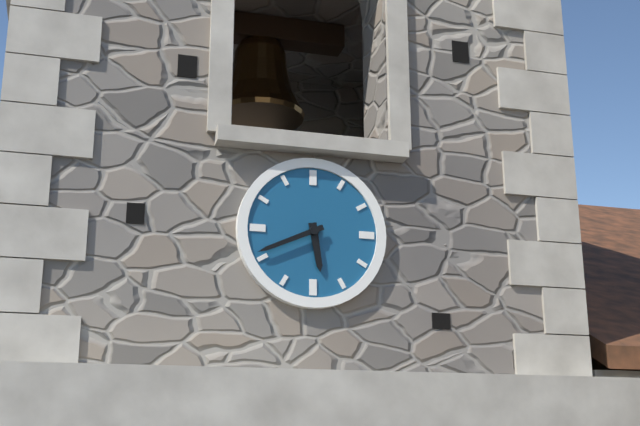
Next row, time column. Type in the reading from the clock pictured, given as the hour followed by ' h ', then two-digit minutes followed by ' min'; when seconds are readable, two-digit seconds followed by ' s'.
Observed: 5 h 41 min
